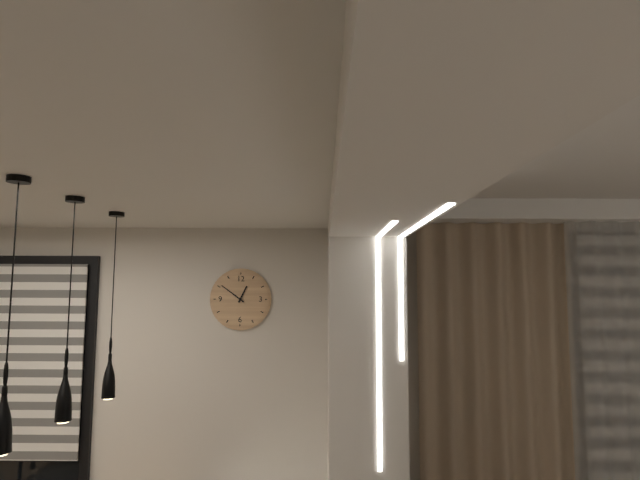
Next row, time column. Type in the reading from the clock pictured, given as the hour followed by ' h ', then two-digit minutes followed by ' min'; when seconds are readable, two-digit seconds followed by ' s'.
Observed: 12 h 51 min
